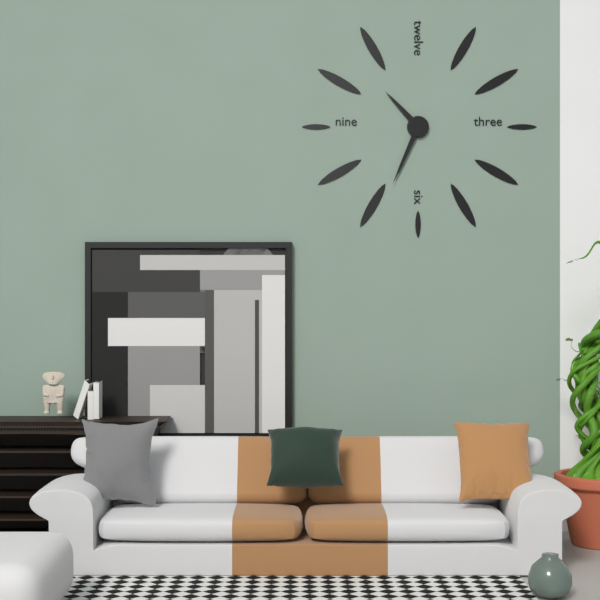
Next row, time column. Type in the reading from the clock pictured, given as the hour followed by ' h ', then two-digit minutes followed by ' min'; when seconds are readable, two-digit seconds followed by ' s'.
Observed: 10 h 34 min
